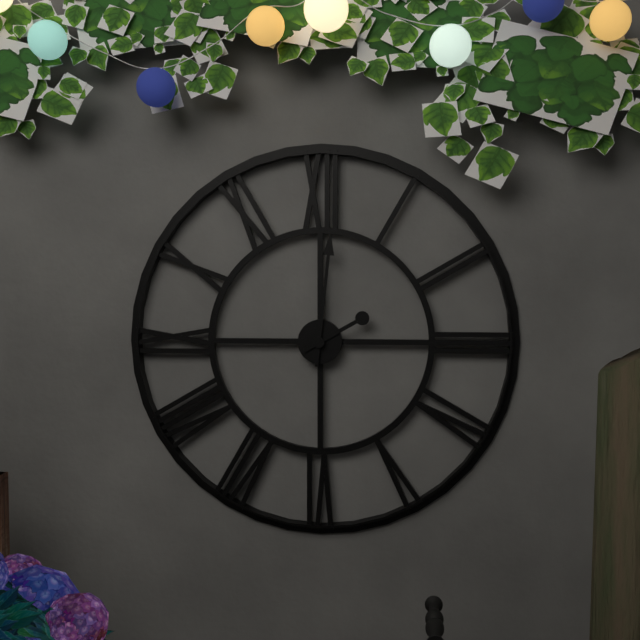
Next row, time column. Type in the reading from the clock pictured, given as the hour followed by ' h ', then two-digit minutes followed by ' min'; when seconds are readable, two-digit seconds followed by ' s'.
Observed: 2 h 01 min
